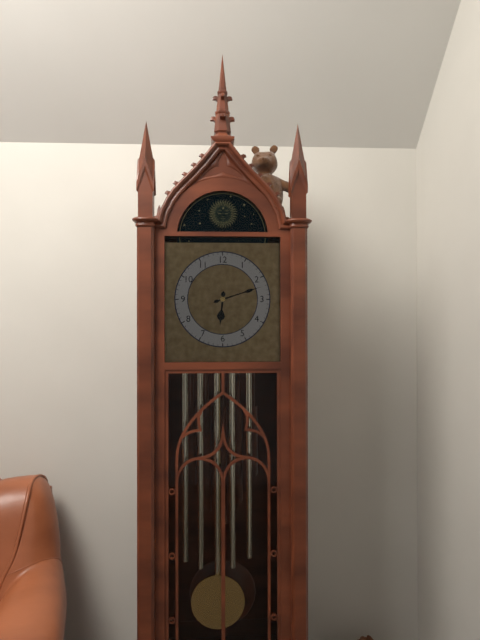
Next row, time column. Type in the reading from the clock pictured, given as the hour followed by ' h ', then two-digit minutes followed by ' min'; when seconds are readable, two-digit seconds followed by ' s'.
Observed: 6 h 12 min
